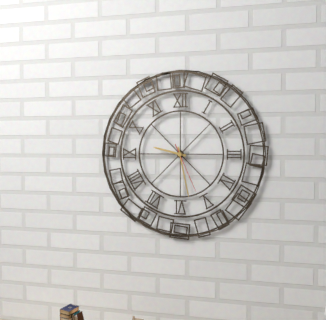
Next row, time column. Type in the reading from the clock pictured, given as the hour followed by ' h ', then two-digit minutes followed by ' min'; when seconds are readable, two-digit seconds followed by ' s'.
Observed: 9 h 28 min 26 s
